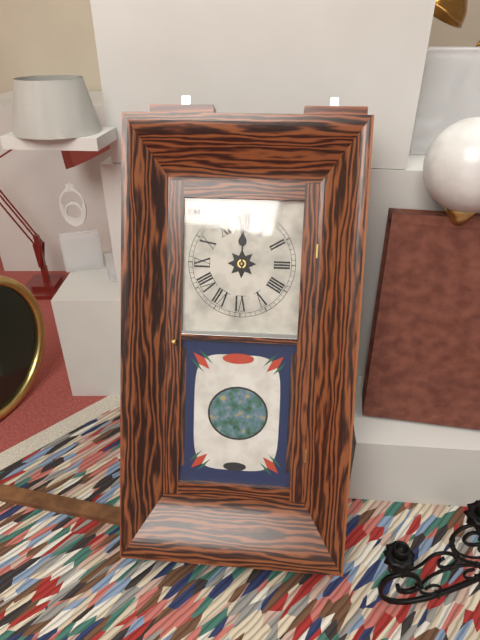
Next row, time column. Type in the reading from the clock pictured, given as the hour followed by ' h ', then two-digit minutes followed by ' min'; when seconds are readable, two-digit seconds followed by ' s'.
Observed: 12 h 00 min
